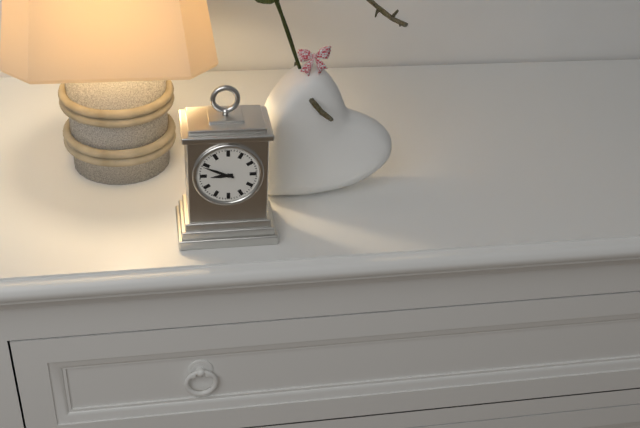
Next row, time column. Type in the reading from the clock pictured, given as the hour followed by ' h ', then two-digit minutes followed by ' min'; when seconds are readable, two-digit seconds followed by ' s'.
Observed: 8 h 49 min
